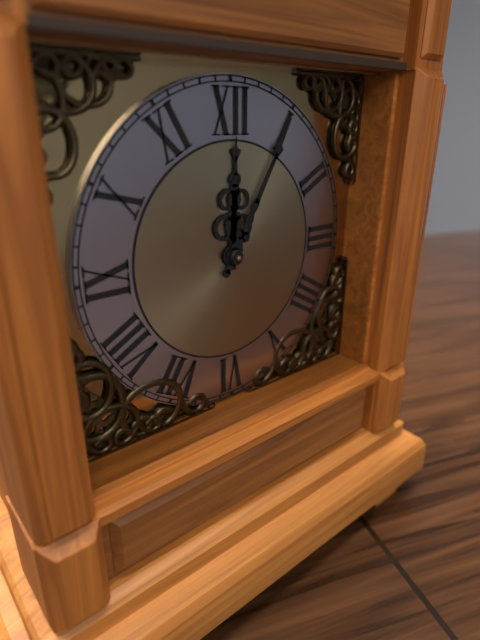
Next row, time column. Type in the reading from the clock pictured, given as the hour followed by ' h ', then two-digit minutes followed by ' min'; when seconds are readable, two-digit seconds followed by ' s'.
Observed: 12 h 05 min
